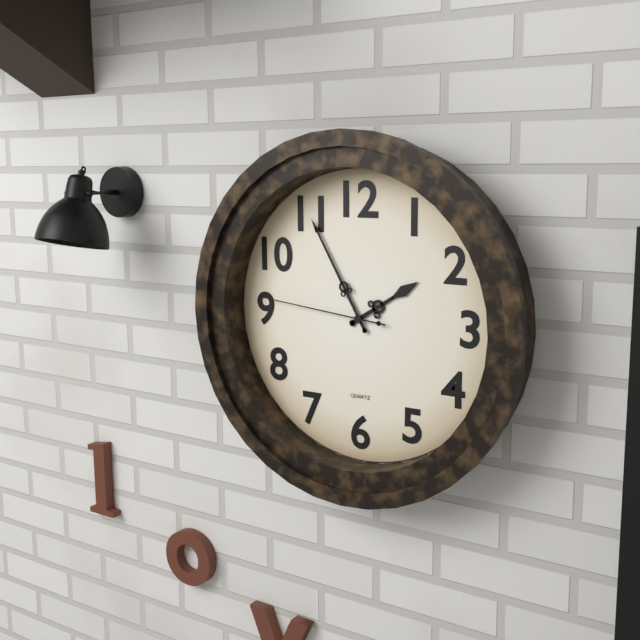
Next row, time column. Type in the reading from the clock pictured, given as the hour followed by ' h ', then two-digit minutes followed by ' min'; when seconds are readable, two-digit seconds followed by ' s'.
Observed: 1 h 55 min 46 s
